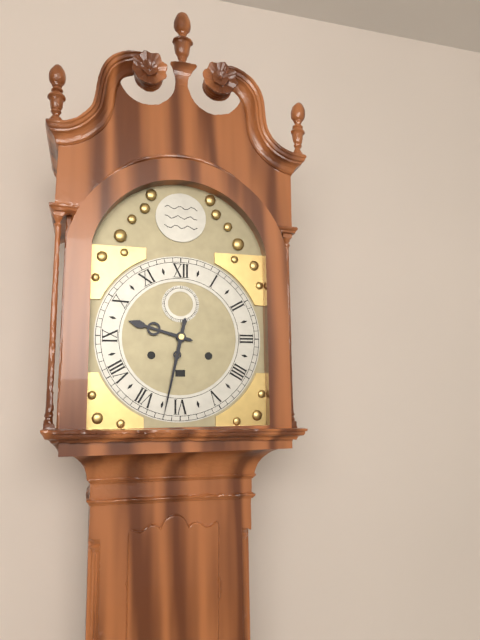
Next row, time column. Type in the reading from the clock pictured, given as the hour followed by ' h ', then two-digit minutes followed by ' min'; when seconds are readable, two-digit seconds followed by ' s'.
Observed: 9 h 32 min
